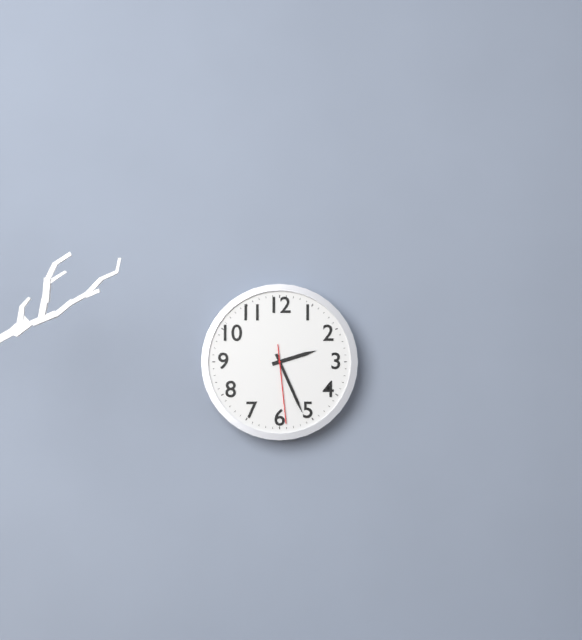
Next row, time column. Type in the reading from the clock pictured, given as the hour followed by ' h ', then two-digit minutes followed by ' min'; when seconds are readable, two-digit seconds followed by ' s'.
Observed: 2 h 26 min 29 s
